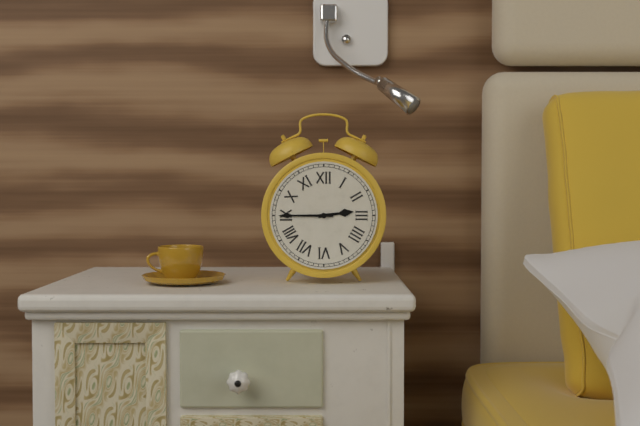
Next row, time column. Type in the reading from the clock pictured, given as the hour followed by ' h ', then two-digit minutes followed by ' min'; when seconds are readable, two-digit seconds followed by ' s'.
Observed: 2 h 45 min
